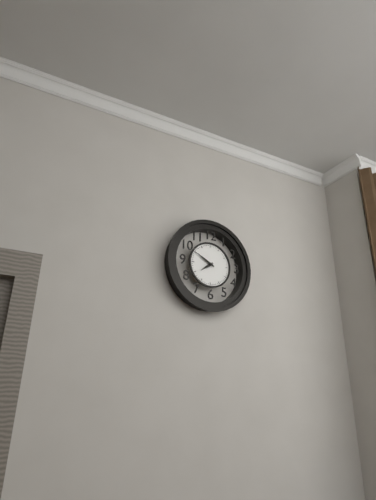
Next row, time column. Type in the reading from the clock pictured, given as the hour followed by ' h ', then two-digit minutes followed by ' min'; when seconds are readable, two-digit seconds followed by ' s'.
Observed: 7 h 50 min
